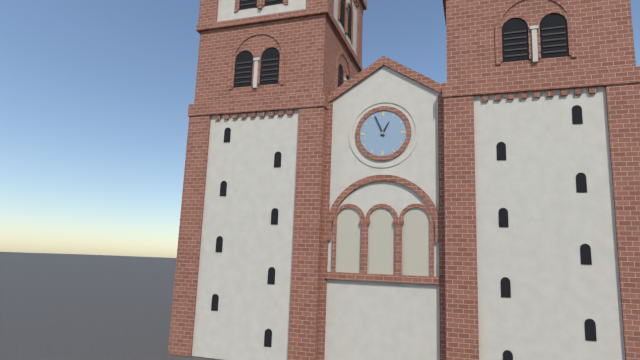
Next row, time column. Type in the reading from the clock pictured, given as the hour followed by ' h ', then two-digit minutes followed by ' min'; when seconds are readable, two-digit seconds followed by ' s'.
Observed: 12 h 56 min
